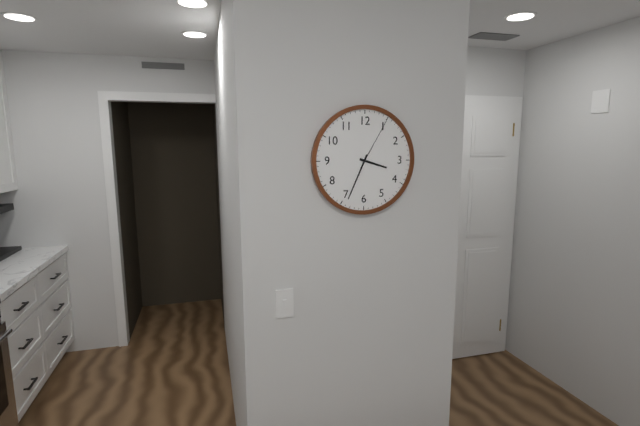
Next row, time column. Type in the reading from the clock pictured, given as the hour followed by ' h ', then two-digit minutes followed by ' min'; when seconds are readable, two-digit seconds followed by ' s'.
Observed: 3 h 34 min 05 s
